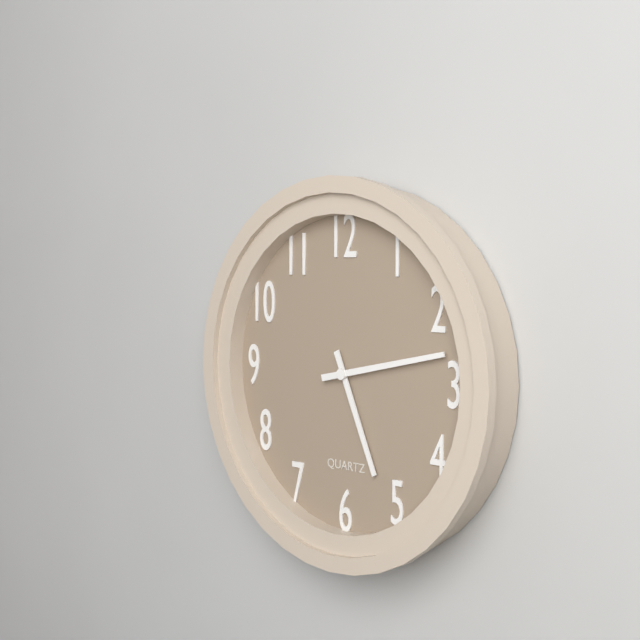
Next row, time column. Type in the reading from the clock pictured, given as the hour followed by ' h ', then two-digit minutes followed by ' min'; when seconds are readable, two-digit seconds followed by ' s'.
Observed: 5 h 13 min
